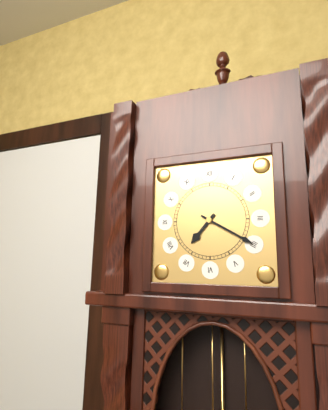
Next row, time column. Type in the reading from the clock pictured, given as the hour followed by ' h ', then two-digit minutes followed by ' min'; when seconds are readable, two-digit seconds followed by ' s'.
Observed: 7 h 20 min
